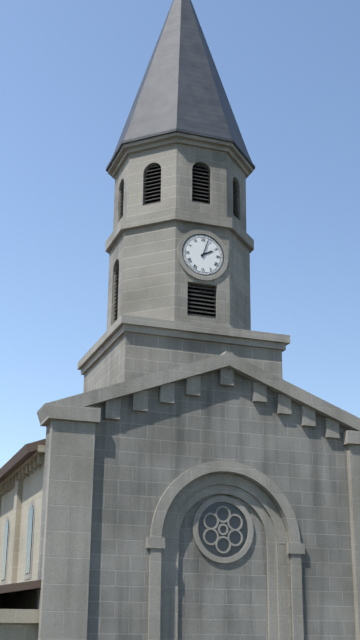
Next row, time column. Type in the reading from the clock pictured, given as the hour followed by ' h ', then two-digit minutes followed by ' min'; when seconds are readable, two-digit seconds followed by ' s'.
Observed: 2 h 03 min
